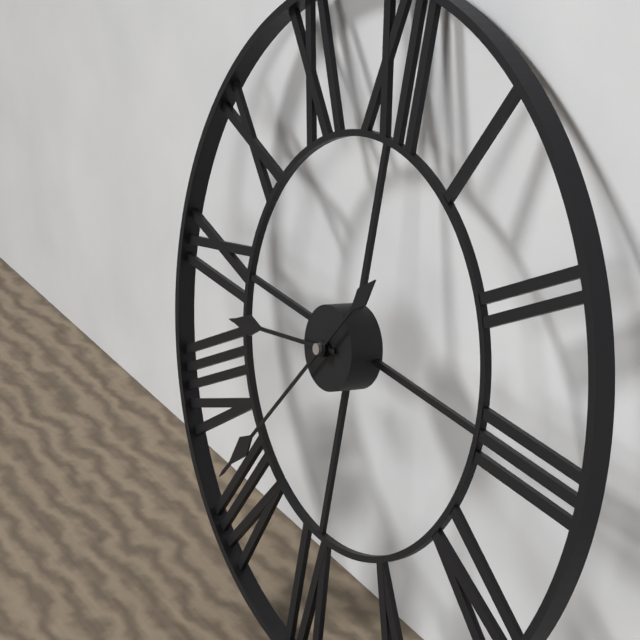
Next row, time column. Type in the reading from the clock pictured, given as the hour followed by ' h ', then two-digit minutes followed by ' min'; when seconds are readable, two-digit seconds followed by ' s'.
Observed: 8 h 36 min
